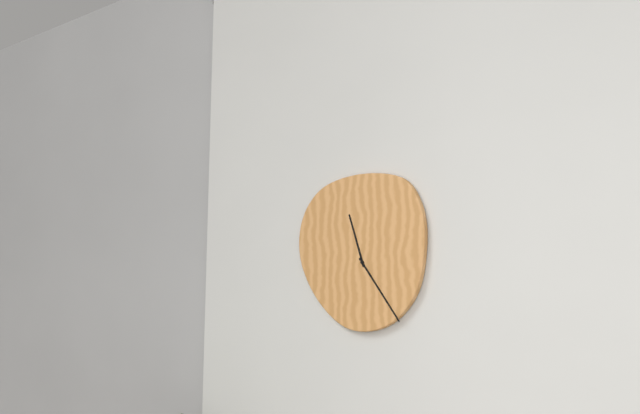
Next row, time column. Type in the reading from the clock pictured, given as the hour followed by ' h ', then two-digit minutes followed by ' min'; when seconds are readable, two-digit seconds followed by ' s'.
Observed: 11 h 24 min
